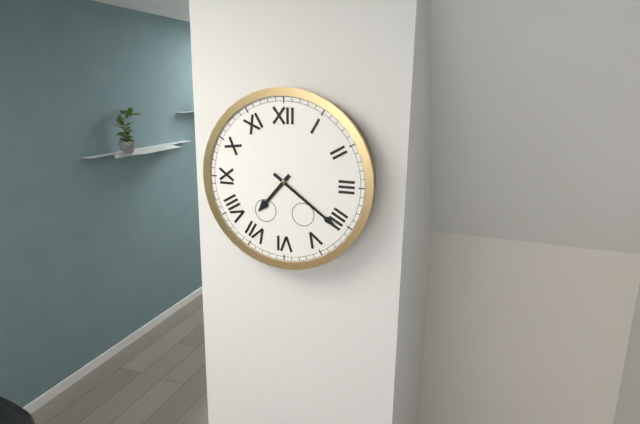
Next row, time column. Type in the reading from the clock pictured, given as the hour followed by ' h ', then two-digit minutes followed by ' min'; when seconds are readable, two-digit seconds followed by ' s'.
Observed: 7 h 21 min
